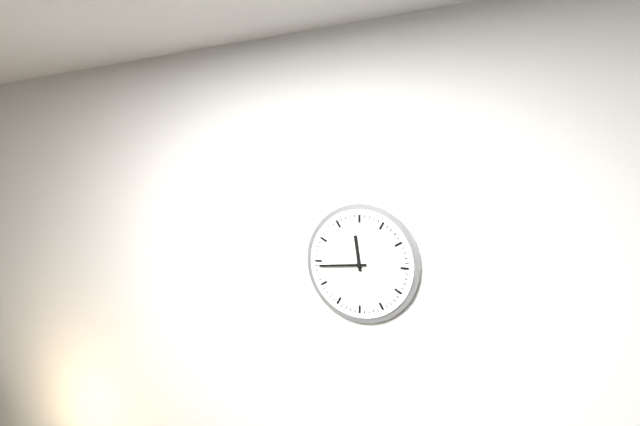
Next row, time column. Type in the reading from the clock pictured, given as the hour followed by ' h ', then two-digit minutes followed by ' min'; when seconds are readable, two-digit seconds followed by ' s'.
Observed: 11 h 44 min
